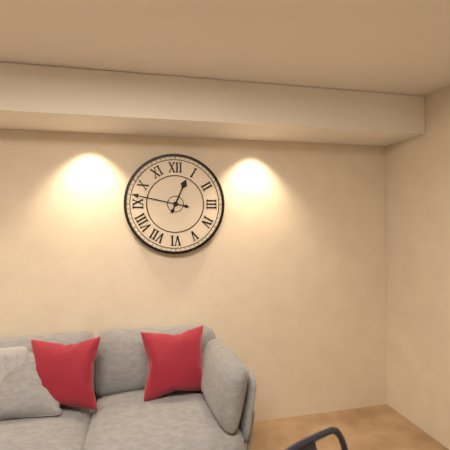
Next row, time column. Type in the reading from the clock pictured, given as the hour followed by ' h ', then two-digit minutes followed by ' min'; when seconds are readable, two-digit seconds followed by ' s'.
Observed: 12 h 47 min
